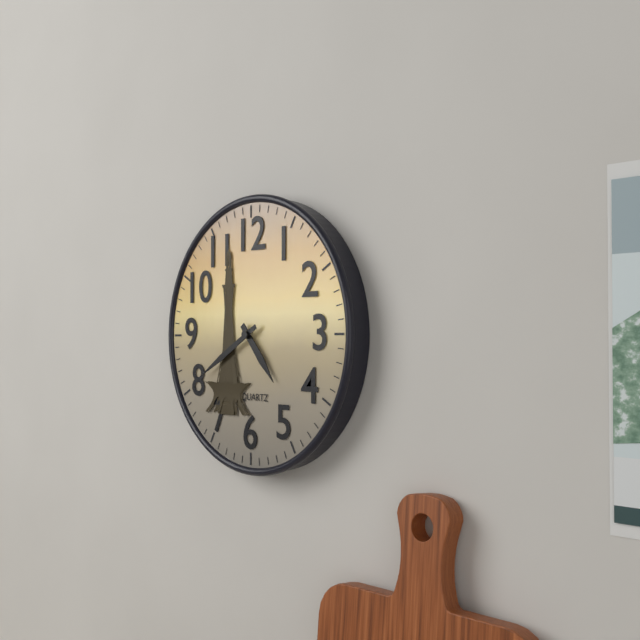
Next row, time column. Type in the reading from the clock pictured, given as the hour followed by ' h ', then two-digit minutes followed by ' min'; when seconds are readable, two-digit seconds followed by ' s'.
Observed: 4 h 40 min
